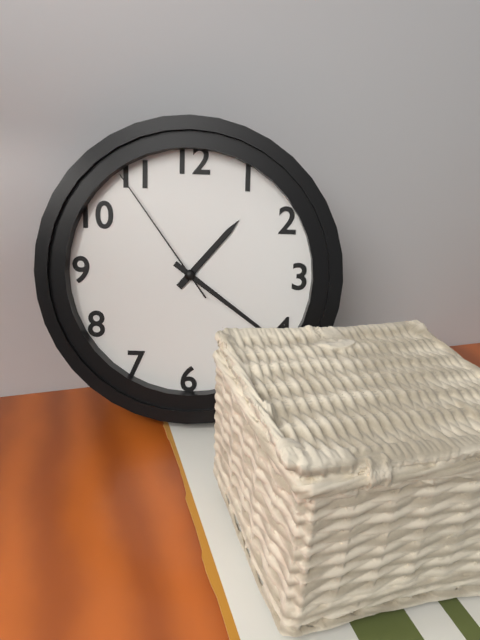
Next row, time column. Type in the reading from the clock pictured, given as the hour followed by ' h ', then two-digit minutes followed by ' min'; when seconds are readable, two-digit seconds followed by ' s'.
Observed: 1 h 21 min 54 s
